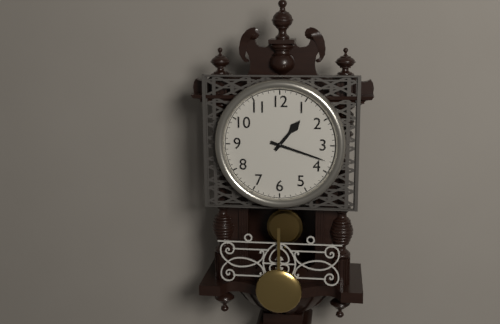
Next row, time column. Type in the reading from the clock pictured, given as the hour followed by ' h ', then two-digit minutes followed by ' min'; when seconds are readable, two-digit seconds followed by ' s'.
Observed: 1 h 18 min
